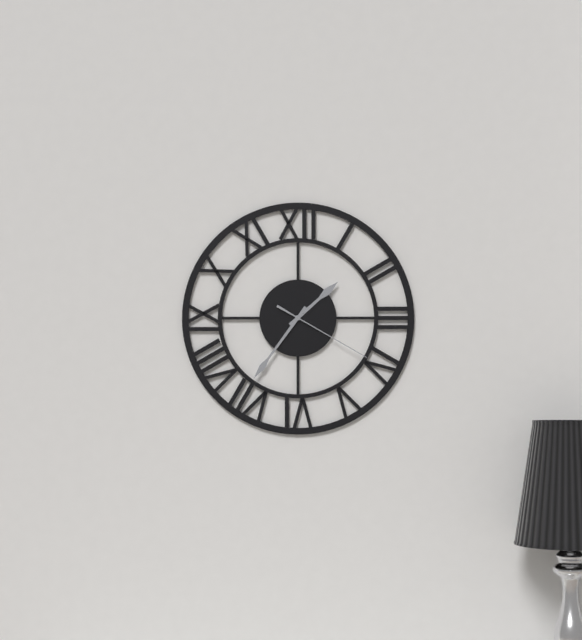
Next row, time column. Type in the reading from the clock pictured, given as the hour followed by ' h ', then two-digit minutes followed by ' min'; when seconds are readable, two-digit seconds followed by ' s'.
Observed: 1 h 36 min 20 s
